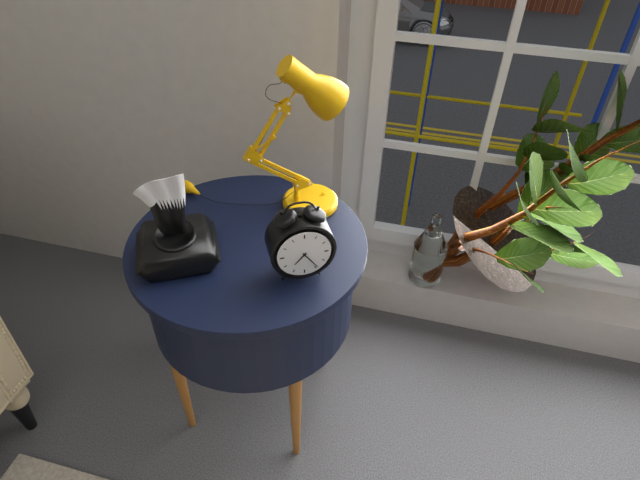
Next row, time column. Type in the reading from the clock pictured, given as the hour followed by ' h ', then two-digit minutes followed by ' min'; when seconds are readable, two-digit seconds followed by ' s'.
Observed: 7 h 24 min
